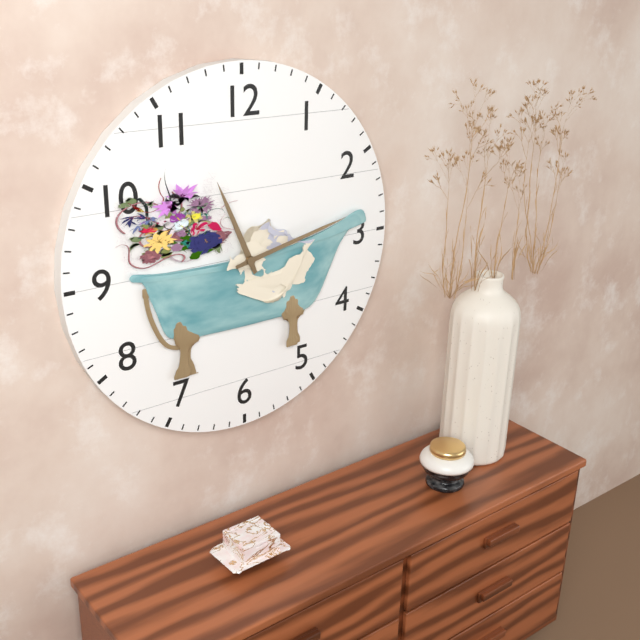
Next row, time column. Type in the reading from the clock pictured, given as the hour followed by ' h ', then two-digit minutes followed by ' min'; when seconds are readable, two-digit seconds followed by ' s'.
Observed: 11 h 13 min
